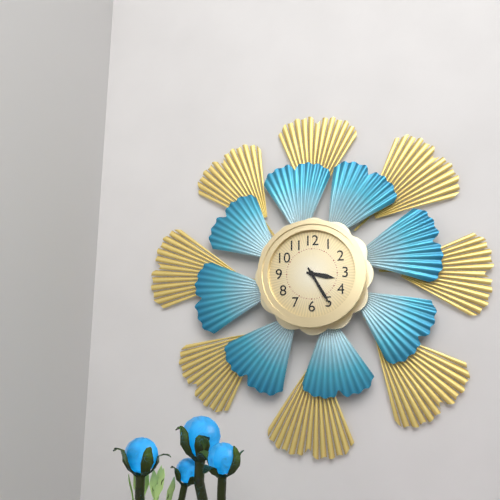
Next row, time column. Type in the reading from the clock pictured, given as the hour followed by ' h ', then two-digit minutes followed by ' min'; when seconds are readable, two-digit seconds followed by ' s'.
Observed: 3 h 25 min
